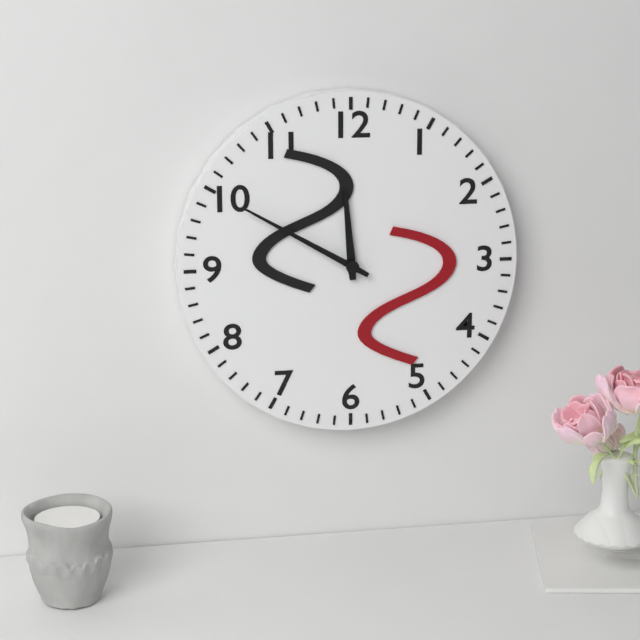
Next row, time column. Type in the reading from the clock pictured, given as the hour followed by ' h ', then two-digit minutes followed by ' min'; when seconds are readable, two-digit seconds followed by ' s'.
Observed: 11 h 50 min
